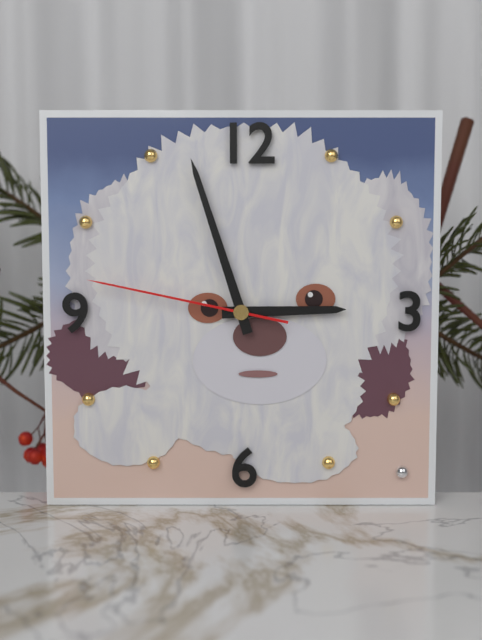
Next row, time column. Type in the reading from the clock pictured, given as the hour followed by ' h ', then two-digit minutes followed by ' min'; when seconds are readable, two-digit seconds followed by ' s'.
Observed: 2 h 57 min 47 s
